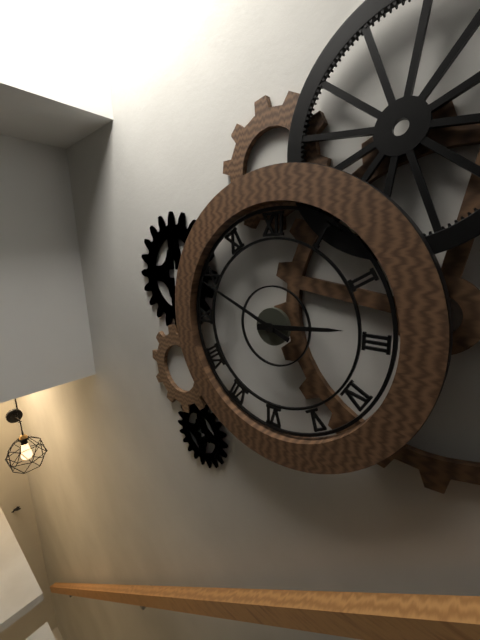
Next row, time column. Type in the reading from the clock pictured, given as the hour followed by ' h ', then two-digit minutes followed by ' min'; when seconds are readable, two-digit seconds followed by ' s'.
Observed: 2 h 49 min
